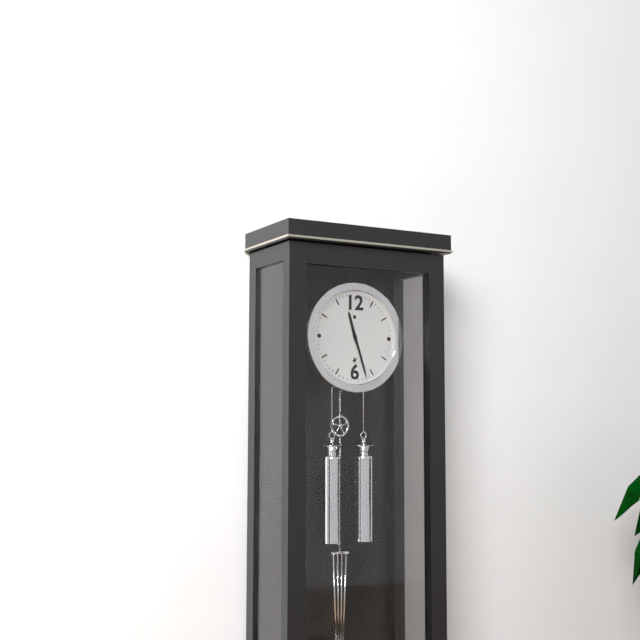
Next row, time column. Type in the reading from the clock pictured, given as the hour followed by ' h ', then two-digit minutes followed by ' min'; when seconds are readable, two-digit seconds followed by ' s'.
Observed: 11 h 27 min
